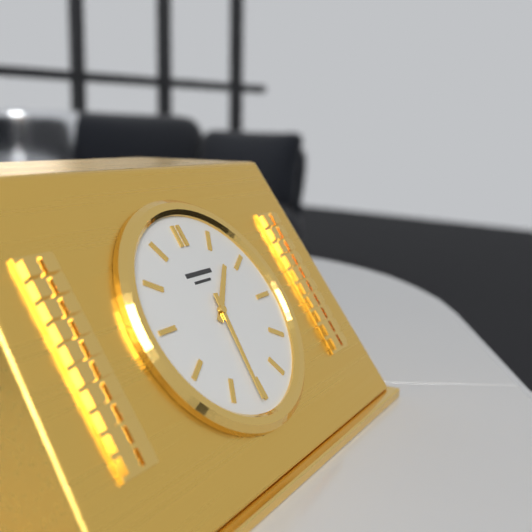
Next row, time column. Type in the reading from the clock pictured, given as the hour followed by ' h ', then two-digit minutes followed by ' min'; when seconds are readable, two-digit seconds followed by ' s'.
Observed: 1 h 31 min
